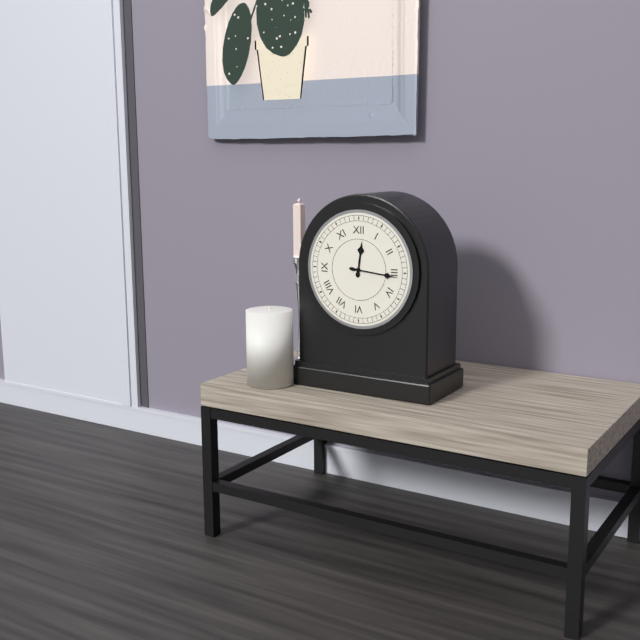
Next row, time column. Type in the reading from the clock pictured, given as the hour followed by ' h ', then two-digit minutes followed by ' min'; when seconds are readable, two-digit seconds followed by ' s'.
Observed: 12 h 16 min
